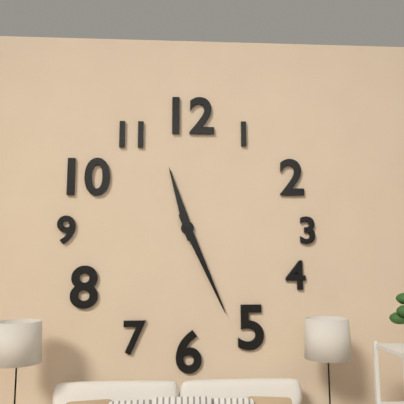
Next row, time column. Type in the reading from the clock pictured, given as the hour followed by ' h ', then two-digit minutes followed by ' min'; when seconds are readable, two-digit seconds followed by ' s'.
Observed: 11 h 26 min
